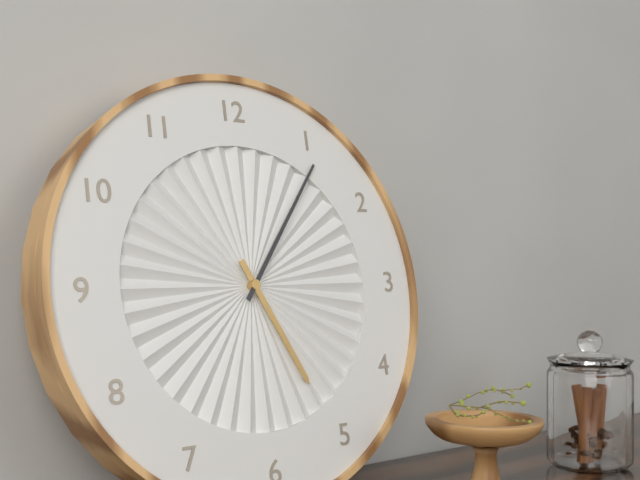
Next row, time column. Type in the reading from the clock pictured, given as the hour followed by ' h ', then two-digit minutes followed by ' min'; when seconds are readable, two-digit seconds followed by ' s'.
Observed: 5 h 06 min
